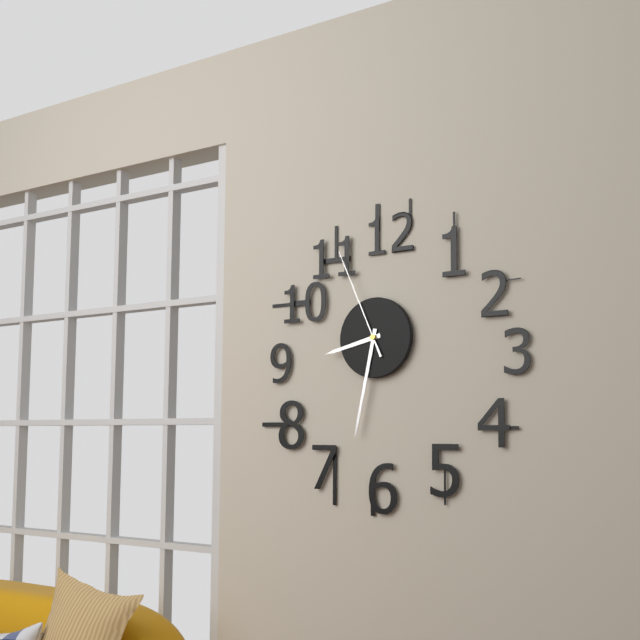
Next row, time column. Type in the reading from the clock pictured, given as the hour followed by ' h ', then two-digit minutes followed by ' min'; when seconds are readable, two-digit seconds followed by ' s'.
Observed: 8 h 32 min 56 s
